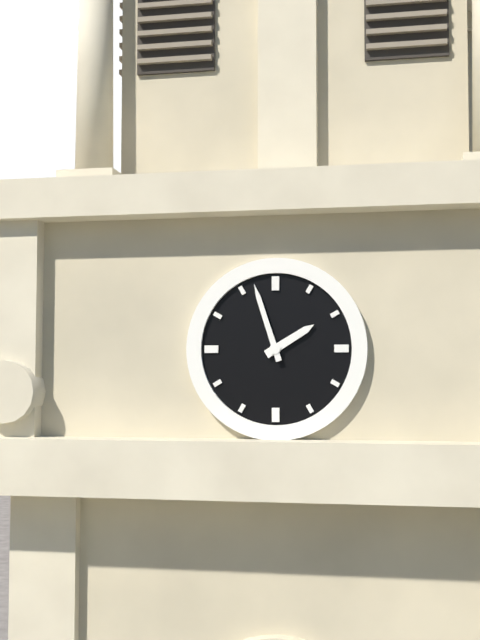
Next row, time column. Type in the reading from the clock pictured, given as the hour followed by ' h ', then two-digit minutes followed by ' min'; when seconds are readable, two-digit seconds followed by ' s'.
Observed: 1 h 57 min
